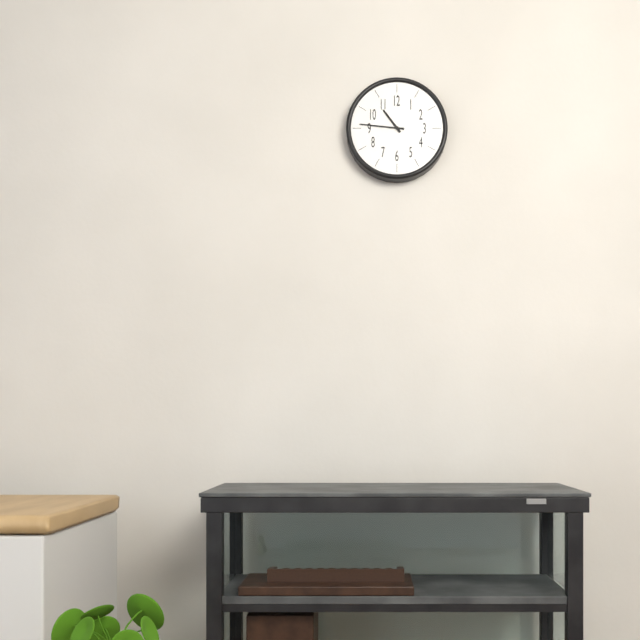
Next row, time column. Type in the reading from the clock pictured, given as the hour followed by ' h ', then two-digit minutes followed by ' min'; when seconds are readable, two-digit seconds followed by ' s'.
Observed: 10 h 46 min
